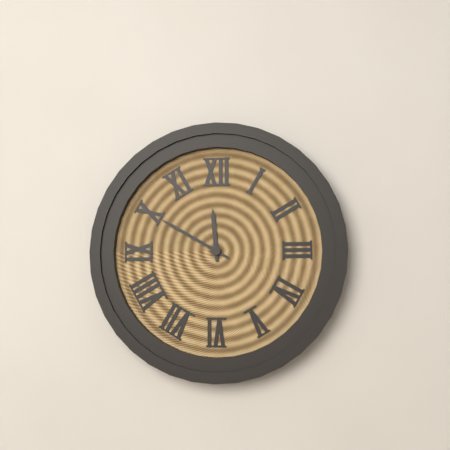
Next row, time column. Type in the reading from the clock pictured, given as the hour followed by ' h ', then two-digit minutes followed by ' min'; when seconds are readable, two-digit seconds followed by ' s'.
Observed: 11 h 50 min
